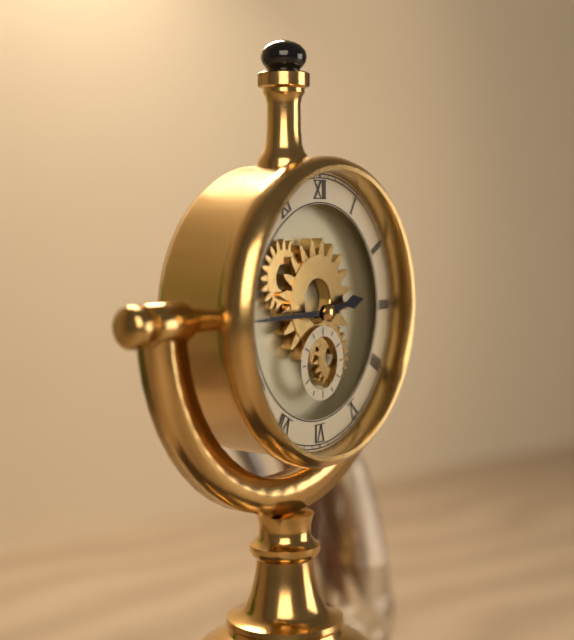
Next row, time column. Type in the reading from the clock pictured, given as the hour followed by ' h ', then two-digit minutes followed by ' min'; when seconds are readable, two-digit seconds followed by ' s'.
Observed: 2 h 45 min
